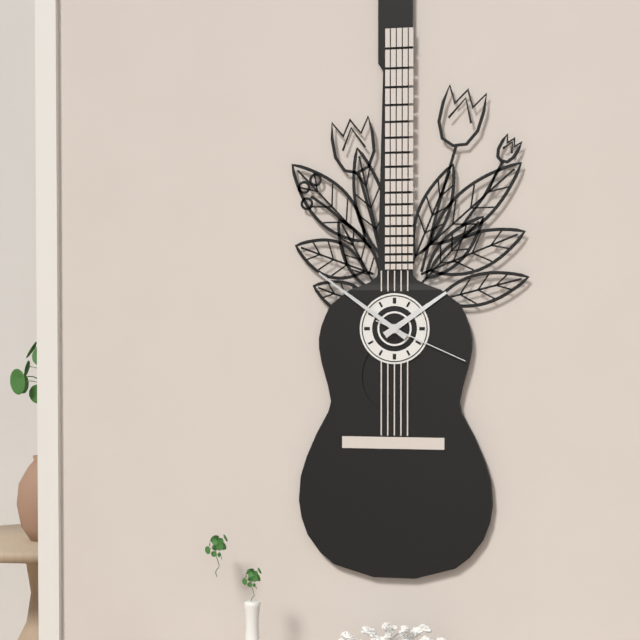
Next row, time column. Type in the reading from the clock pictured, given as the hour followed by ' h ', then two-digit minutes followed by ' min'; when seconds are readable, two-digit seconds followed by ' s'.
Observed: 1 h 51 min 19 s
